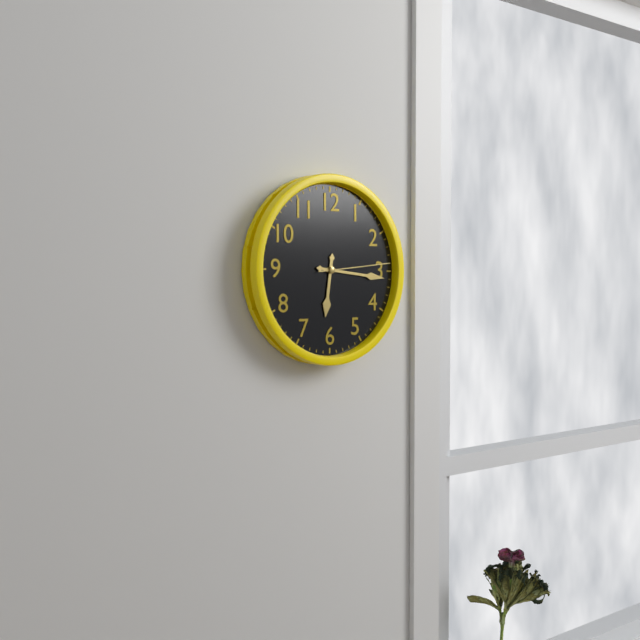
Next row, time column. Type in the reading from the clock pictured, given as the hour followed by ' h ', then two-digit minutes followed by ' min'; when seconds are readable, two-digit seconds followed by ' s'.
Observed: 6 h 16 min 14 s
